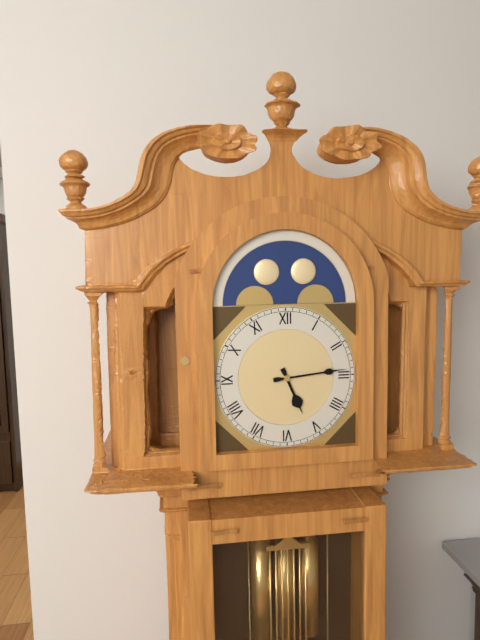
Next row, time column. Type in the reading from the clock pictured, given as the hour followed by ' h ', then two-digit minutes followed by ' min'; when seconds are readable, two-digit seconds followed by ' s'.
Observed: 5 h 14 min
